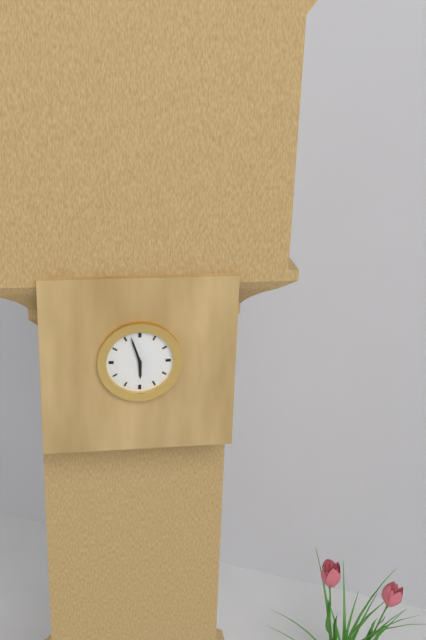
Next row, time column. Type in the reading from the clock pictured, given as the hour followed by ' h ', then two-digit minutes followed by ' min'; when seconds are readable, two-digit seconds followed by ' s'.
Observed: 5 h 57 min
